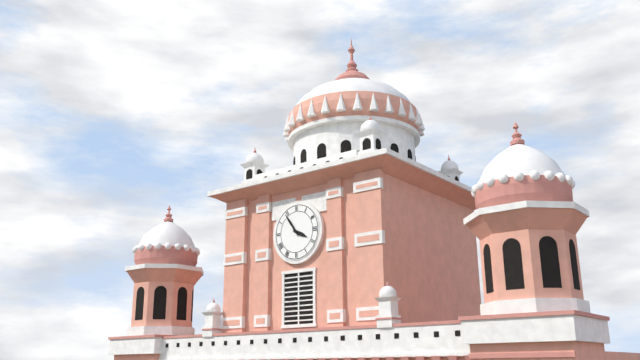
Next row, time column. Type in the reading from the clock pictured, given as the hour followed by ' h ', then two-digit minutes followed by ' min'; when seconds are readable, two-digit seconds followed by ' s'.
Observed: 3 h 54 min
